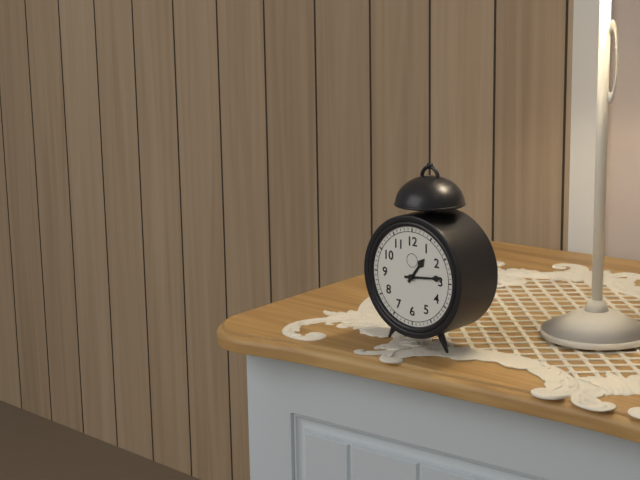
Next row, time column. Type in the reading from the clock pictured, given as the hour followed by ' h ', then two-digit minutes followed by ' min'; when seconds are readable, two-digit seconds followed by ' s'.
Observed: 1 h 14 min
